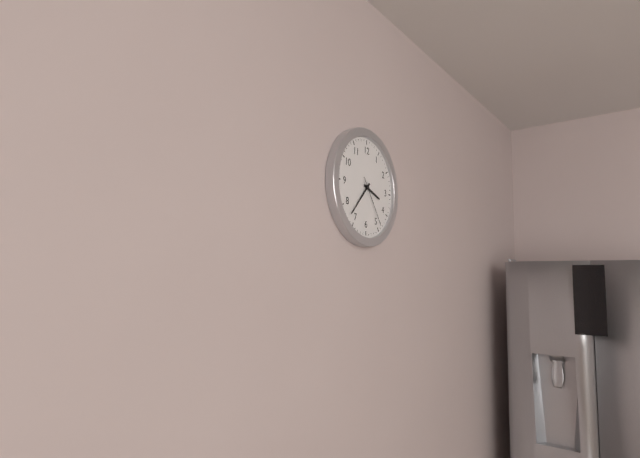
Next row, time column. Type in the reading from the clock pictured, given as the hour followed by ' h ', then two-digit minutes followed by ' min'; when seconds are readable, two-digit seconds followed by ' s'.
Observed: 3 h 37 min 24 s
